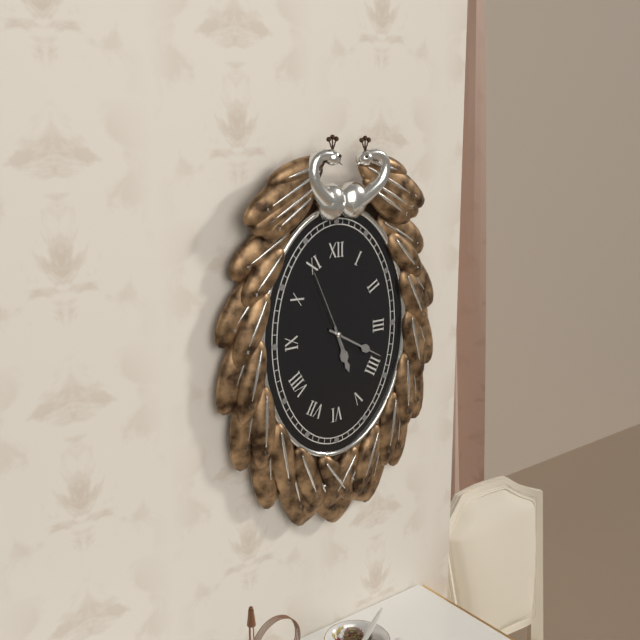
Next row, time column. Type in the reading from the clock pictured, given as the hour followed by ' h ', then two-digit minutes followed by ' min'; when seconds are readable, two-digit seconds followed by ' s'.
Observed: 5 h 20 min 56 s
